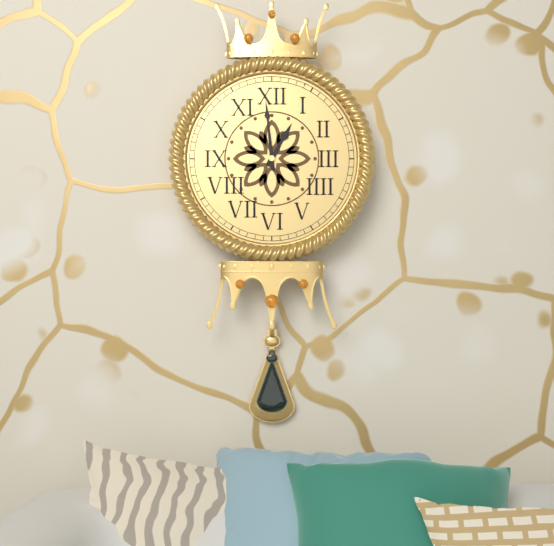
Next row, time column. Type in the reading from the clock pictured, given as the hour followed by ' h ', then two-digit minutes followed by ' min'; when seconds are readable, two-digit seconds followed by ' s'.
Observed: 12 h 59 min
